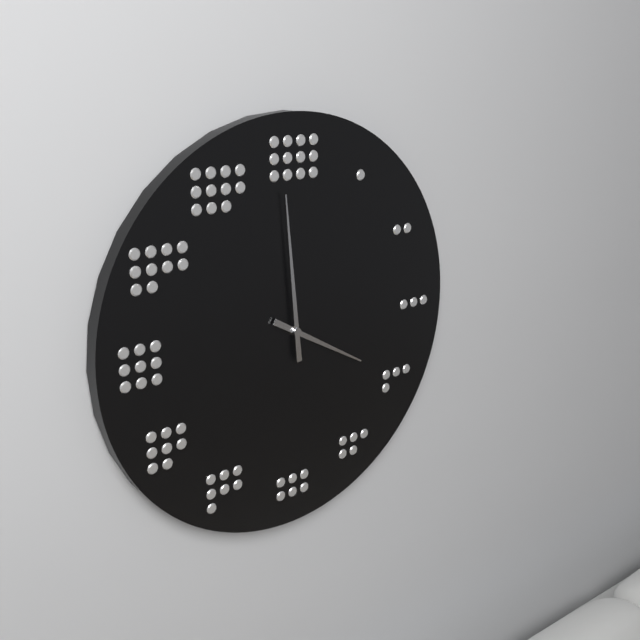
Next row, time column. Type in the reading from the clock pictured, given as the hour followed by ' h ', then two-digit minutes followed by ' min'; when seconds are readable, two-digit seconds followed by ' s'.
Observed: 3 h 59 min
